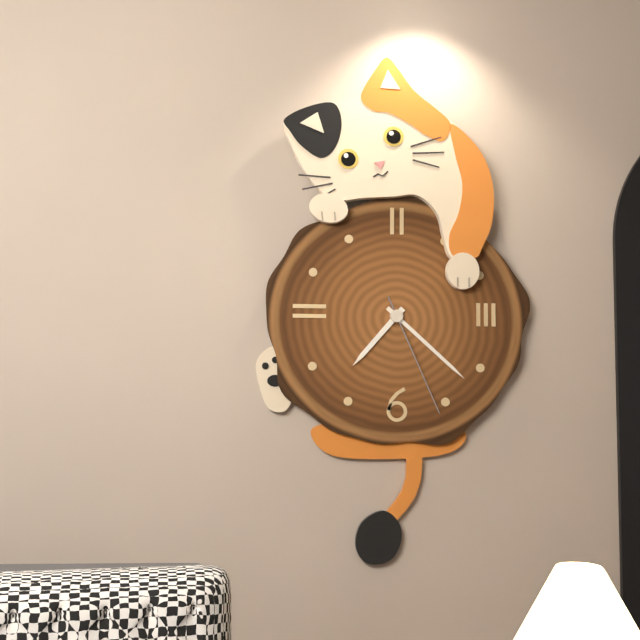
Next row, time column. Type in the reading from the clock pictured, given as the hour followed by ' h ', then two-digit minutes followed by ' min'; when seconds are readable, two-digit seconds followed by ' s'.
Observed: 7 h 22 min 26 s
